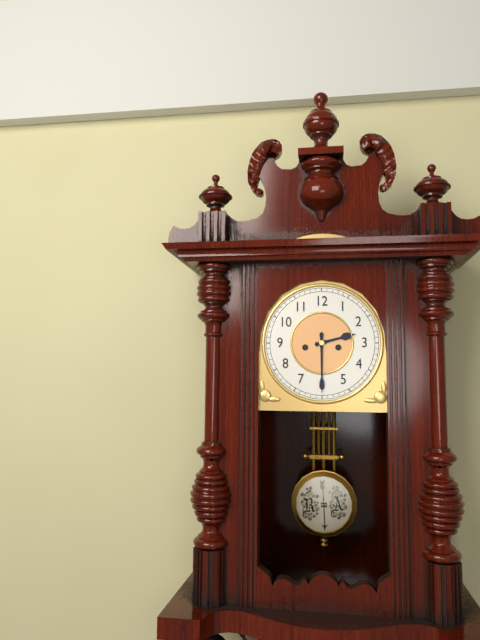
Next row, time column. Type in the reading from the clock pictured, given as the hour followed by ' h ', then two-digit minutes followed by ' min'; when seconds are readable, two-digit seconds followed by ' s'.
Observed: 2 h 30 min
